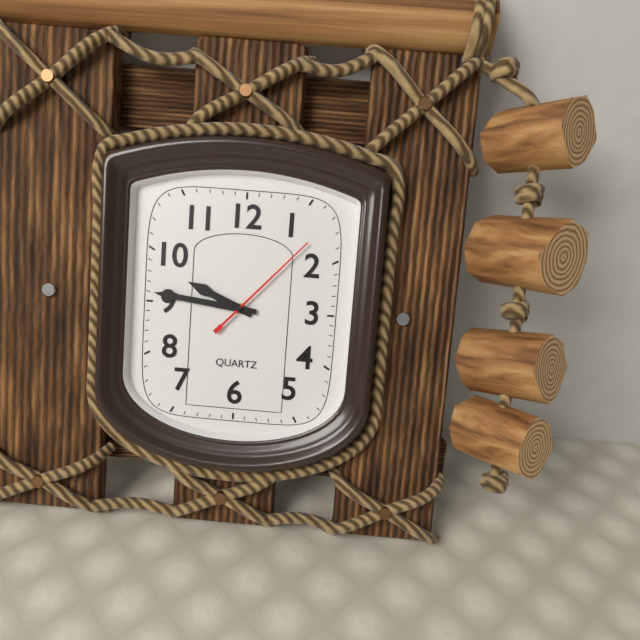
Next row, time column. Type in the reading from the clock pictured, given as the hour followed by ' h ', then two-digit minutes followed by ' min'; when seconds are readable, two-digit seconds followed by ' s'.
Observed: 9 h 46 min 07 s
